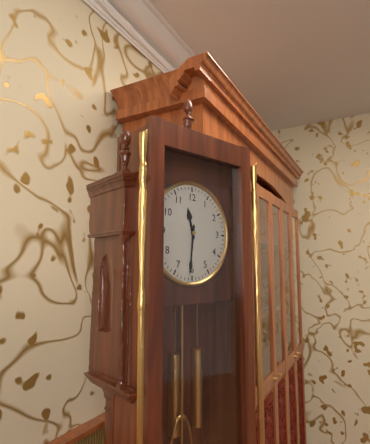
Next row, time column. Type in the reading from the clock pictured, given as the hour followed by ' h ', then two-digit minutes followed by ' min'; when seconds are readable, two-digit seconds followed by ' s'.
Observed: 11 h 31 min
